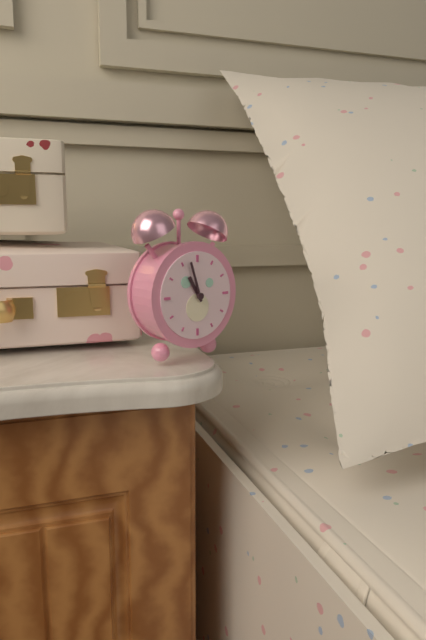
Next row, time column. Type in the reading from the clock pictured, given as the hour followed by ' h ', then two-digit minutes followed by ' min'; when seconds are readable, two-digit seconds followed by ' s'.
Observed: 10 h 57 min
